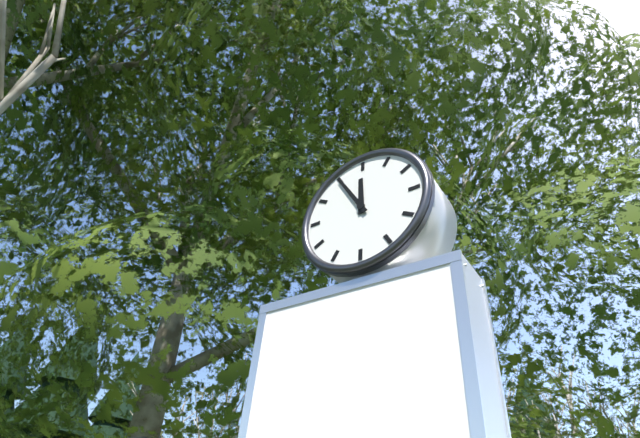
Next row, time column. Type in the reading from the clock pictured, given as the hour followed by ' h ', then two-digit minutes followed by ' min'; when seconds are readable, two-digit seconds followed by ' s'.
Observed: 11 h 55 min
